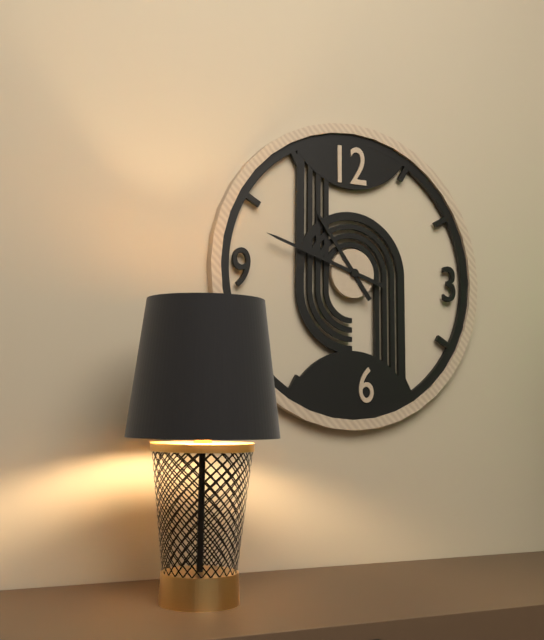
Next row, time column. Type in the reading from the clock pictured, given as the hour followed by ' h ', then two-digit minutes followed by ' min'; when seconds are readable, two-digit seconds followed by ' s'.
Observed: 10 h 48 min
